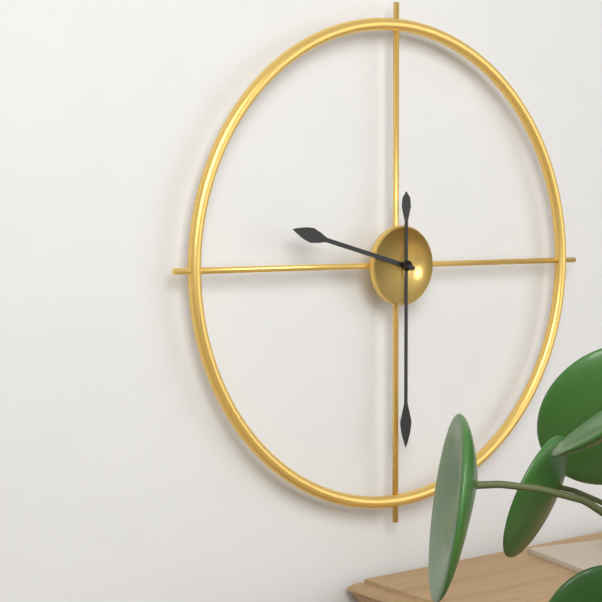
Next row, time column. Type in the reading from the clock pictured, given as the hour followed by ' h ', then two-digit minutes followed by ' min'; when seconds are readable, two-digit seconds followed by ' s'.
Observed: 9 h 30 min
